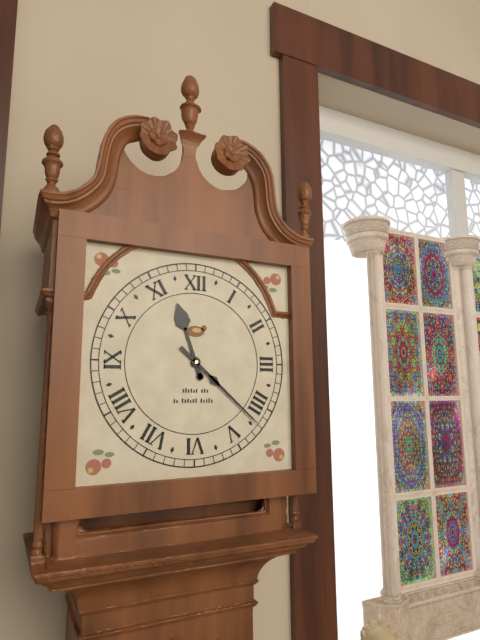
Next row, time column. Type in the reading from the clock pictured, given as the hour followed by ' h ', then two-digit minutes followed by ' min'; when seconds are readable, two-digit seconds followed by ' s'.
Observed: 11 h 22 min
